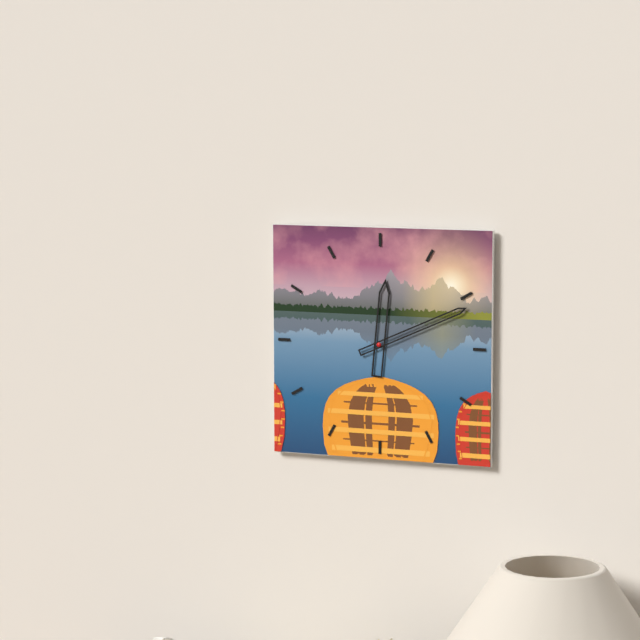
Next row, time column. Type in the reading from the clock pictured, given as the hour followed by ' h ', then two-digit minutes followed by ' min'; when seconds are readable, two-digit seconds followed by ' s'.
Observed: 12 h 11 min
